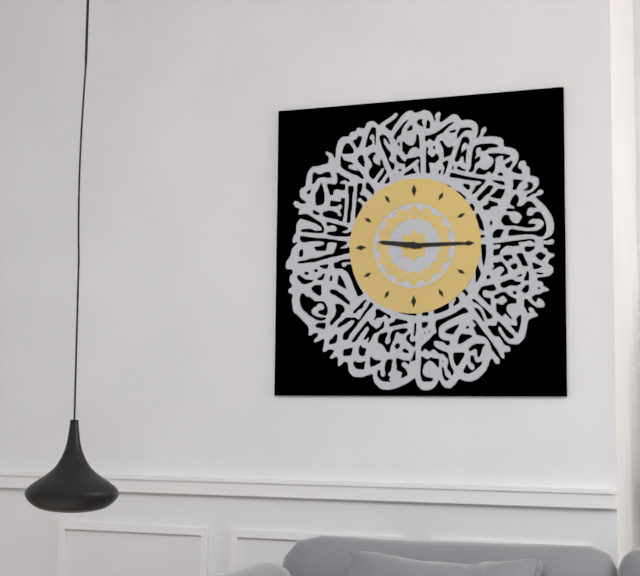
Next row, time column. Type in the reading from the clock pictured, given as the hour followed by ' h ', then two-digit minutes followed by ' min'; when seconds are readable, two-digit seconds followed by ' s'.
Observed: 9 h 15 min
